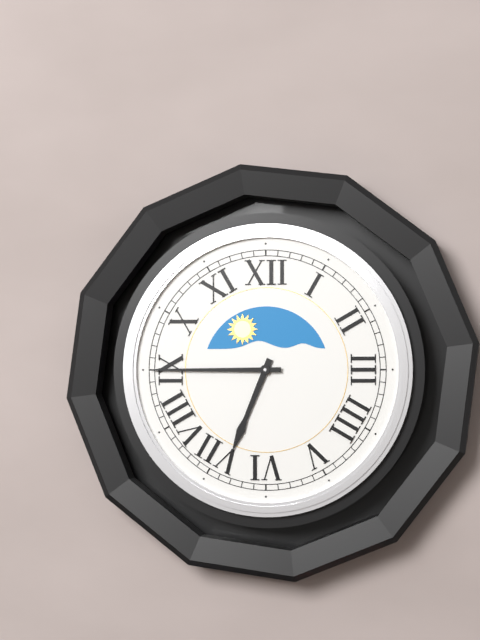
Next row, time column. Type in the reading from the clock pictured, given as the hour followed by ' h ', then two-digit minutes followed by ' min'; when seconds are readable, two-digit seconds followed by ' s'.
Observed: 6 h 45 min
